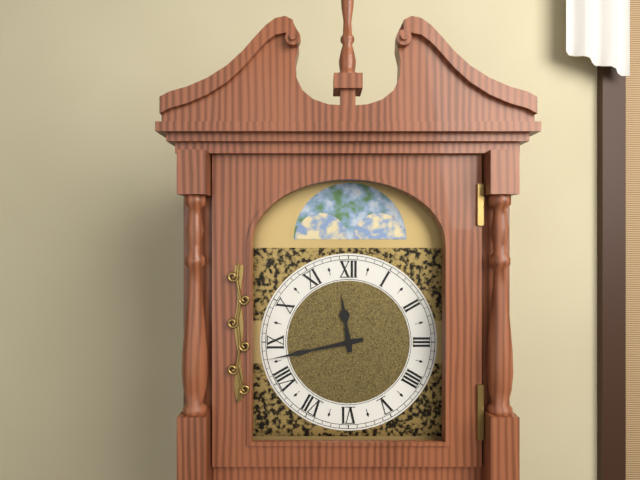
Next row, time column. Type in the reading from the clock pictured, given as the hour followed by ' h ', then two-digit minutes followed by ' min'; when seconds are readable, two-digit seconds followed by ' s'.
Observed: 11 h 43 min
